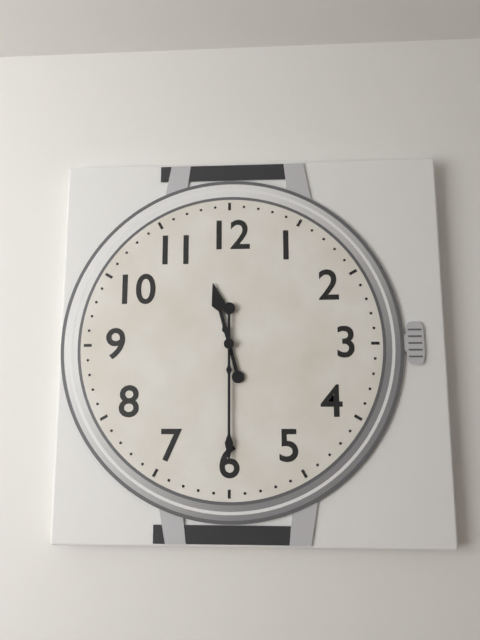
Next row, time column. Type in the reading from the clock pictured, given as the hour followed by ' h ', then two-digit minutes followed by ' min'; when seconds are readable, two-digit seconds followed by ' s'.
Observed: 11 h 30 min
